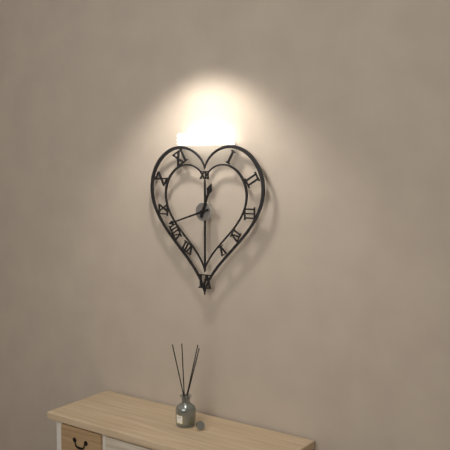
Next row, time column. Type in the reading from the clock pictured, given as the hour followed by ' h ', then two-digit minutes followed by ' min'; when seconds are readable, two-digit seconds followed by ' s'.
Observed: 12 h 42 min
